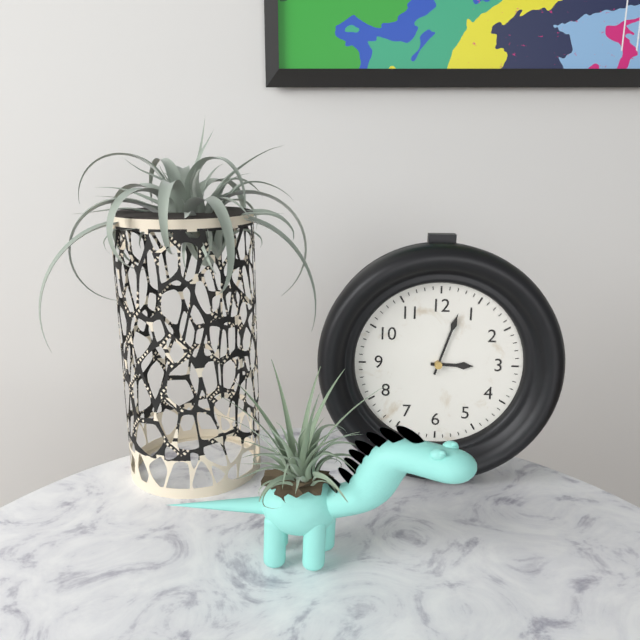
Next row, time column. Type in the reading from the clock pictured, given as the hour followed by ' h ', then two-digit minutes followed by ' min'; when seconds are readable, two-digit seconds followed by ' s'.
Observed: 3 h 03 min
